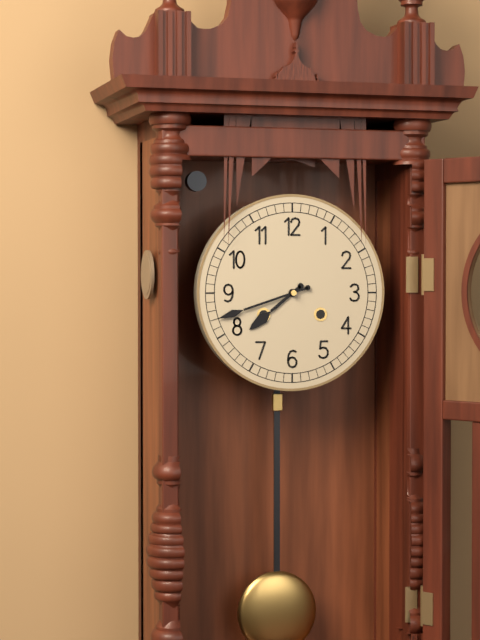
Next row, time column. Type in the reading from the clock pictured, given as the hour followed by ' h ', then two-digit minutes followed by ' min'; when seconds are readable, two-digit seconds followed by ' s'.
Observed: 7 h 42 min
